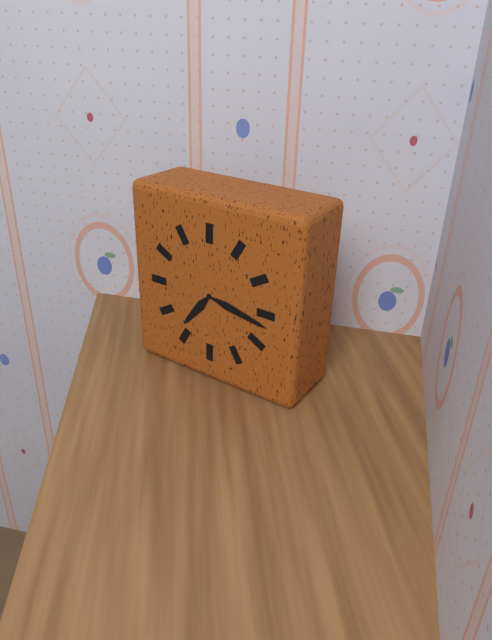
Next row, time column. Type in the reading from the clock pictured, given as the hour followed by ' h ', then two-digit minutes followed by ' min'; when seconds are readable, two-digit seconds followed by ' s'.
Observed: 7 h 17 min
